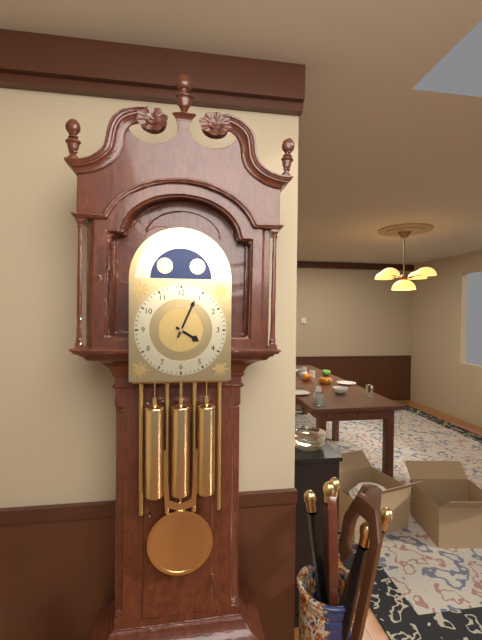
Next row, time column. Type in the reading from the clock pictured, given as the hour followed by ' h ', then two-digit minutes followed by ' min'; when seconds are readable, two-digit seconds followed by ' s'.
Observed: 4 h 04 min
